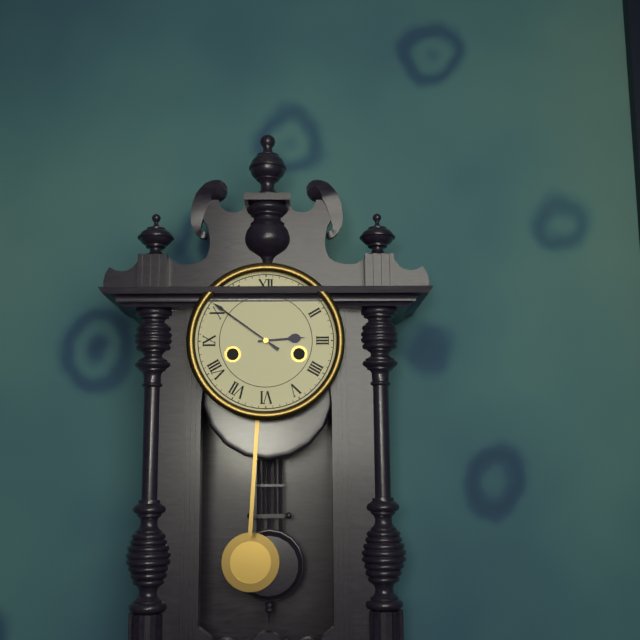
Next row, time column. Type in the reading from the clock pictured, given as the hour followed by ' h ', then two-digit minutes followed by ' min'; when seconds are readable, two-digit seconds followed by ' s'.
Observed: 2 h 51 min
